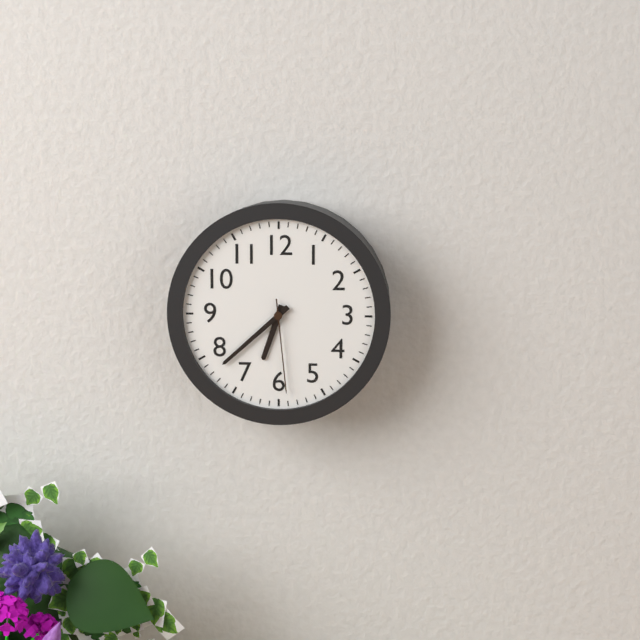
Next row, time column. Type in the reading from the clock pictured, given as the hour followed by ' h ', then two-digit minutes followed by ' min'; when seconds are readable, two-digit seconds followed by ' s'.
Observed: 6 h 38 min 29 s
